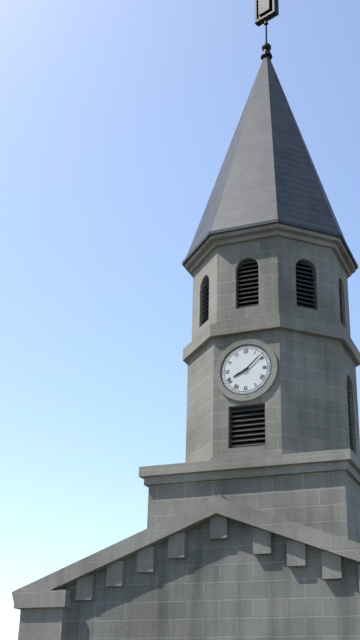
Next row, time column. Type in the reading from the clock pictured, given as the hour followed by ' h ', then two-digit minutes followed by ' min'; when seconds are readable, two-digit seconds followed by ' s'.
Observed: 8 h 08 min
